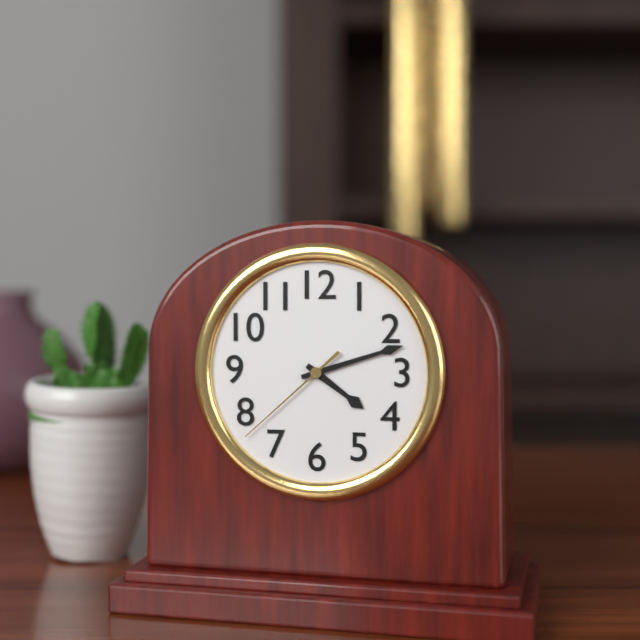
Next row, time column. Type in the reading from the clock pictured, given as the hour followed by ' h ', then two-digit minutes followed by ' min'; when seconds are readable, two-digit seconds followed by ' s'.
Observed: 4 h 12 min 38 s
